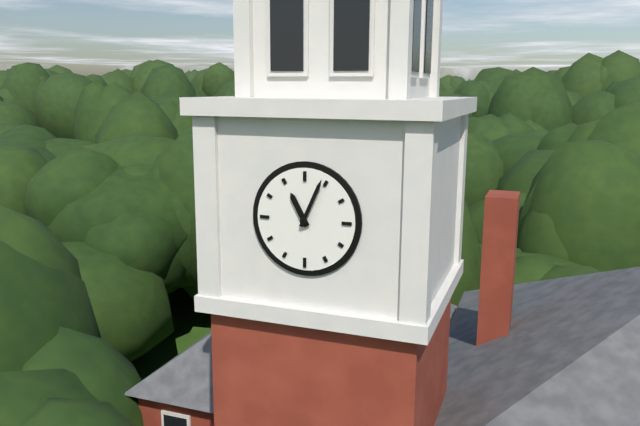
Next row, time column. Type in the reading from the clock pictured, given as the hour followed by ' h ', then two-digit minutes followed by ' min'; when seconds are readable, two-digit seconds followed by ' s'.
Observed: 11 h 04 min
